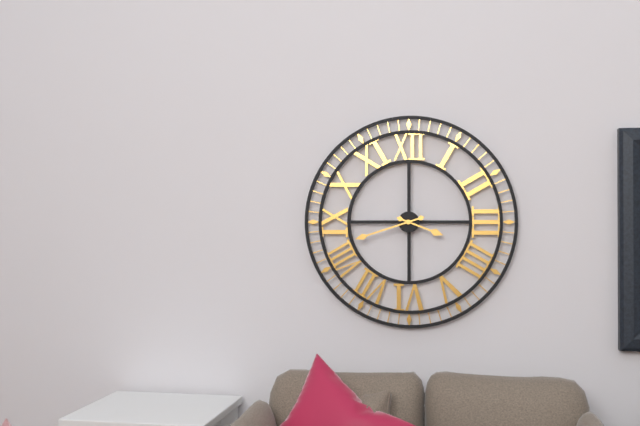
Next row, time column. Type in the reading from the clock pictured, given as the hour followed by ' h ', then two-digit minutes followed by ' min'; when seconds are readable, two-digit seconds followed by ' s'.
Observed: 3 h 42 min
